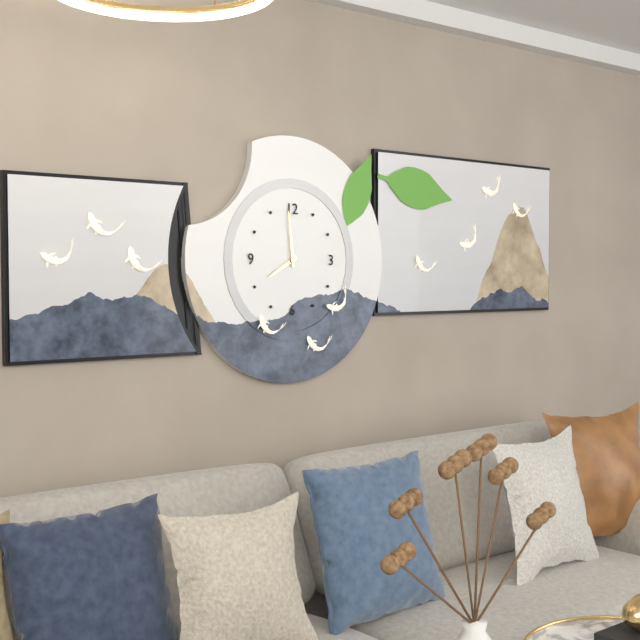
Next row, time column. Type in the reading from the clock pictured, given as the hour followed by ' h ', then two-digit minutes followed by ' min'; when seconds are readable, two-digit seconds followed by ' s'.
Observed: 7 h 59 min
